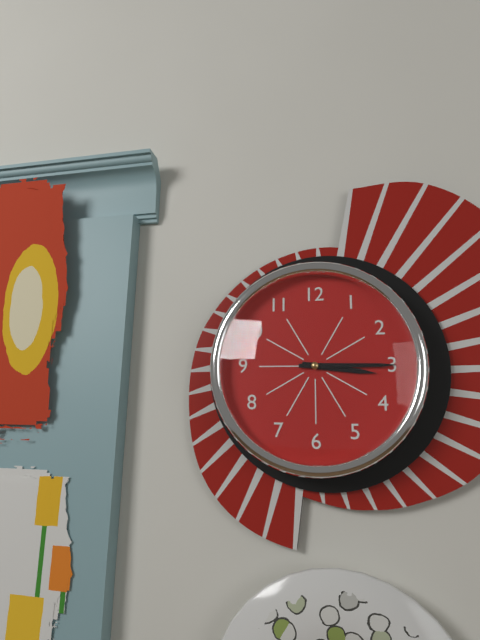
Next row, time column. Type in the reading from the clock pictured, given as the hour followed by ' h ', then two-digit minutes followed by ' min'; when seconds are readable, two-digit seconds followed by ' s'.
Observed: 3 h 15 min
